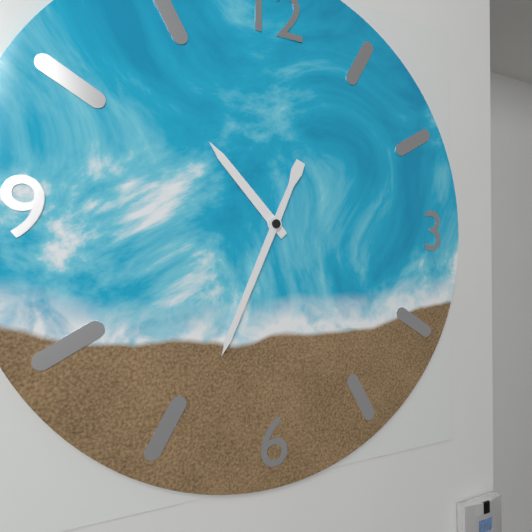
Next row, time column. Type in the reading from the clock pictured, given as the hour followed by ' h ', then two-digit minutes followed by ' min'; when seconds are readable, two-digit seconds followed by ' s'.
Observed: 10 h 34 min
